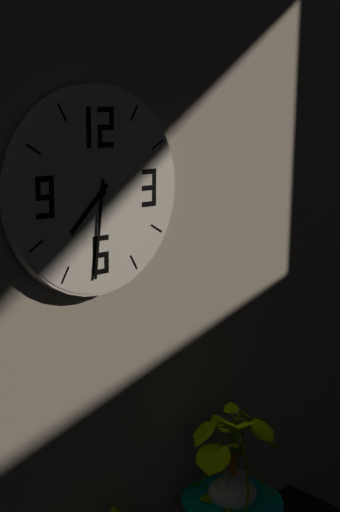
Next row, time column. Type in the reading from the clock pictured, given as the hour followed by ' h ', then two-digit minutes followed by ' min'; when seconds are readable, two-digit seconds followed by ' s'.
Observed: 7 h 31 min
